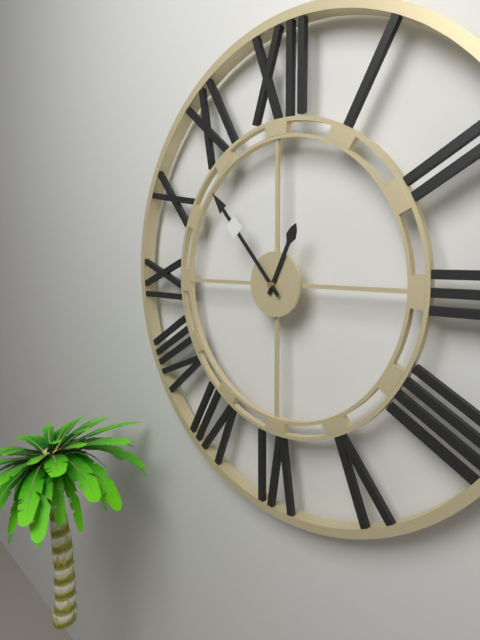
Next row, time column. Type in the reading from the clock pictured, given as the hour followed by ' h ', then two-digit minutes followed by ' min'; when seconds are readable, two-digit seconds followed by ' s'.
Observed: 12 h 53 min
